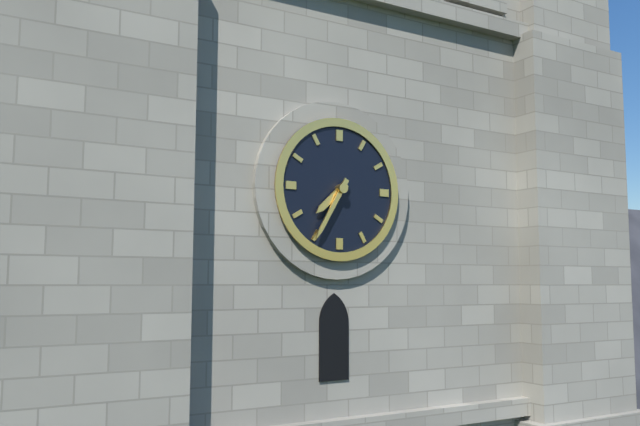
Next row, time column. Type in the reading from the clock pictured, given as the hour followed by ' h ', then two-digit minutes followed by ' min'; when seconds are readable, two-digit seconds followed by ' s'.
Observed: 7 h 35 min
